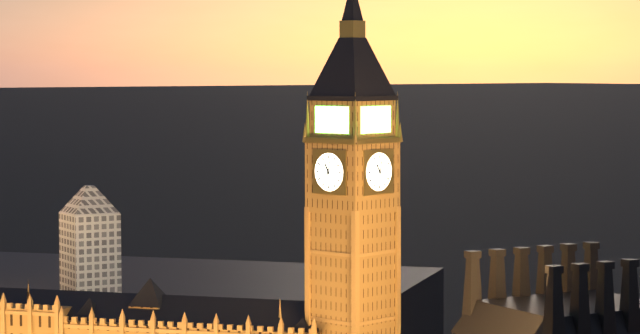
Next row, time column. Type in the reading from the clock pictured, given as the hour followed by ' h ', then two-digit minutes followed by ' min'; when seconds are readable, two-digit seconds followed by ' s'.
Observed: 11 h 02 min
